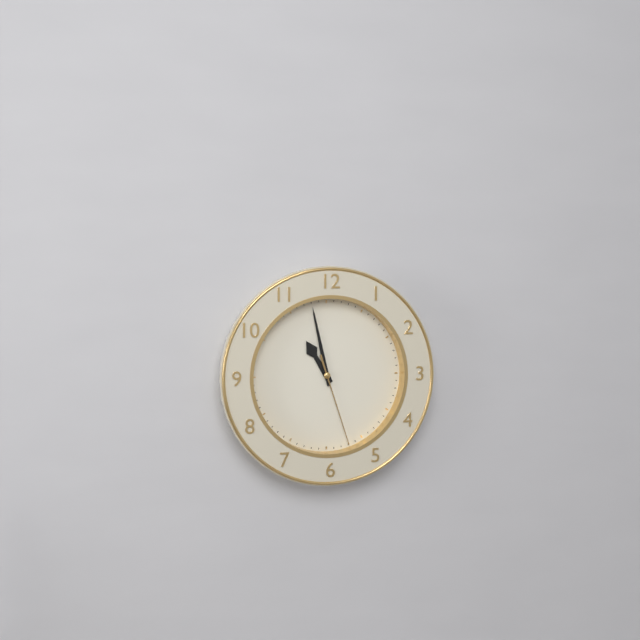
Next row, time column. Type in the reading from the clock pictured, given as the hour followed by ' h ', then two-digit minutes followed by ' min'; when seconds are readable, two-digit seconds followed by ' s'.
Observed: 10 h 58 min 27 s
